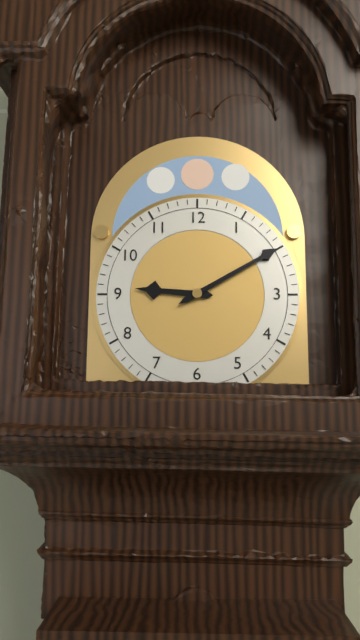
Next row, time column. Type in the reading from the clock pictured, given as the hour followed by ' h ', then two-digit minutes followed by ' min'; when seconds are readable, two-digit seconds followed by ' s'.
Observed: 9 h 10 min
